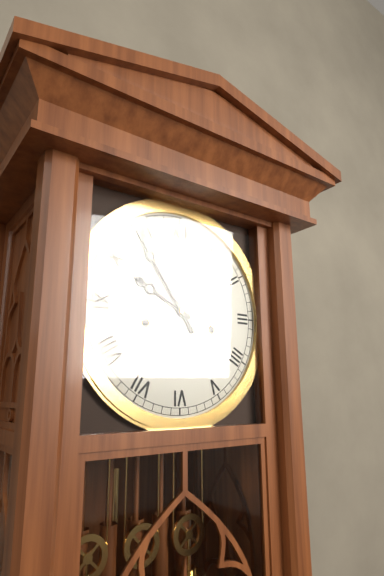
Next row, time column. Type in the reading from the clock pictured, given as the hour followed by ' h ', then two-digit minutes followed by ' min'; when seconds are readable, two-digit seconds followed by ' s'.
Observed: 9 h 54 min
